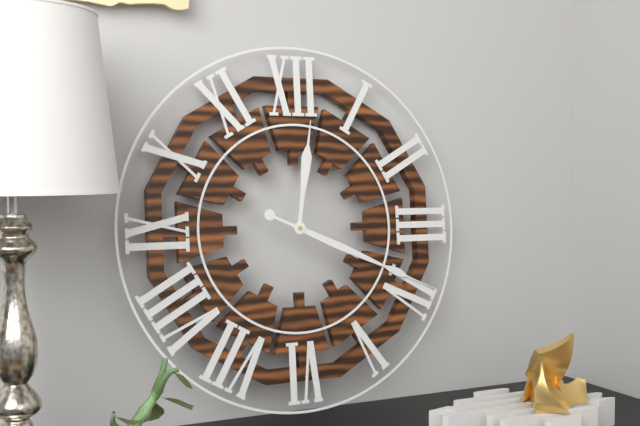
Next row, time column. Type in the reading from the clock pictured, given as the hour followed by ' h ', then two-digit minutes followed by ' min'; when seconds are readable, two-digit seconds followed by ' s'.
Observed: 12 h 19 min
